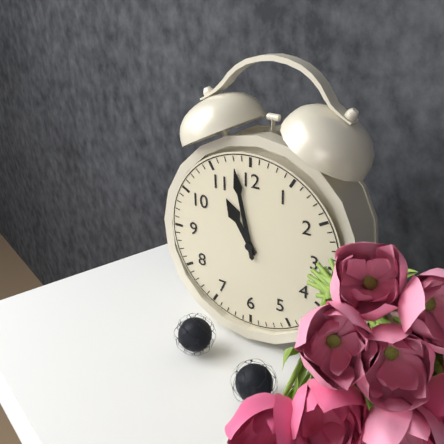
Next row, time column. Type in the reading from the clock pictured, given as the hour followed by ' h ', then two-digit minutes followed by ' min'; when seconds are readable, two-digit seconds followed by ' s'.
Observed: 10 h 58 min
